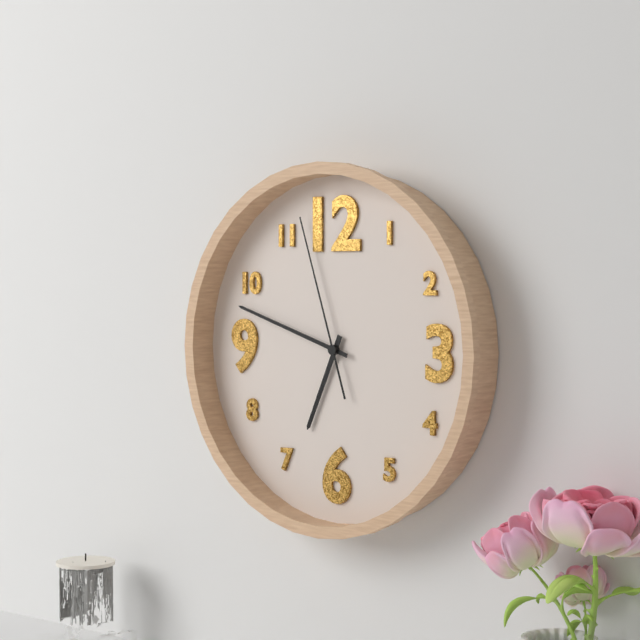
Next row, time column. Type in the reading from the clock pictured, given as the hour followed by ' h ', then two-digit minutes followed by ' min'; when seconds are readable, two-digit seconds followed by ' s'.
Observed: 6 h 48 min 57 s
